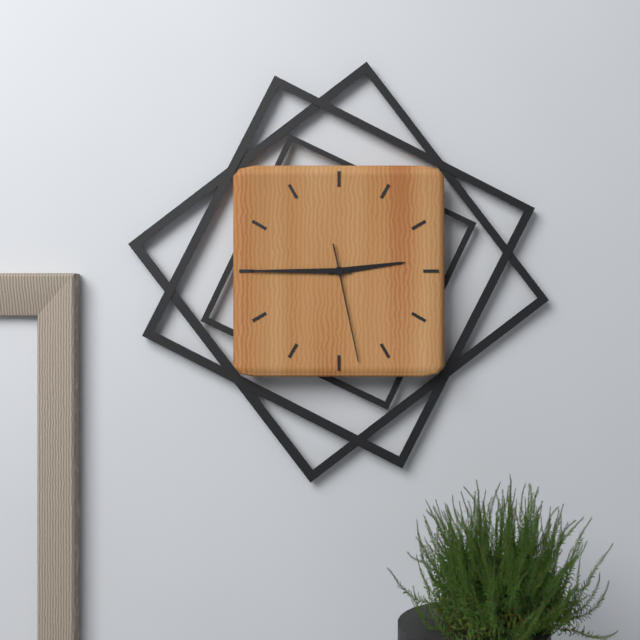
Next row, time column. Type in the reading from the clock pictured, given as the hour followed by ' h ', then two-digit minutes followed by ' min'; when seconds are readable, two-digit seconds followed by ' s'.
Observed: 2 h 45 min 28 s
